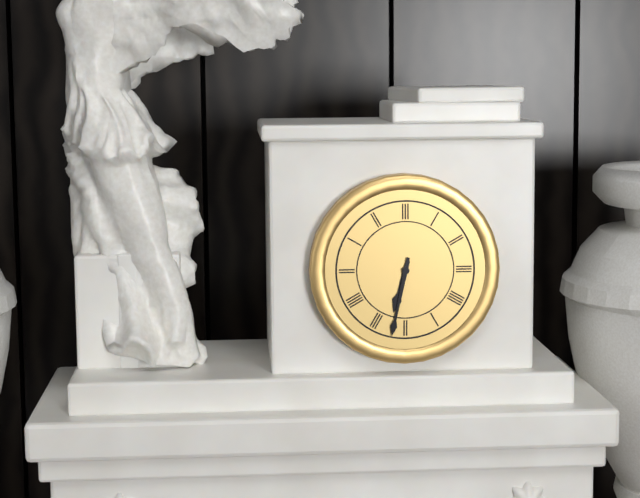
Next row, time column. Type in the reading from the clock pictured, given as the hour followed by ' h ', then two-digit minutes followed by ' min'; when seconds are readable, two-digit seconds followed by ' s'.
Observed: 6 h 32 min
